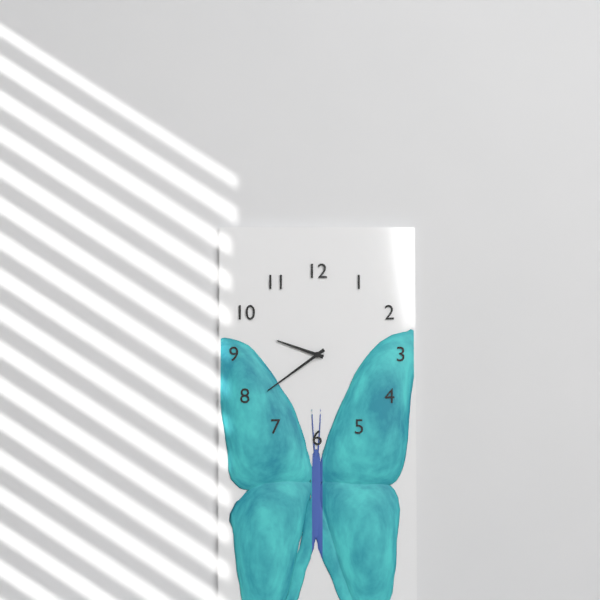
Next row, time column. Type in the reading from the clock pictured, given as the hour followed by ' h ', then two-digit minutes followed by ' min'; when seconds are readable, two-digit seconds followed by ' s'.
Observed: 9 h 39 min
